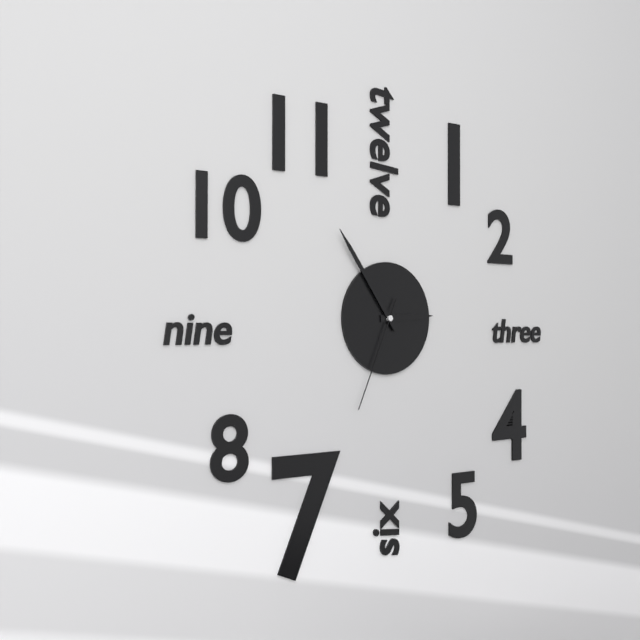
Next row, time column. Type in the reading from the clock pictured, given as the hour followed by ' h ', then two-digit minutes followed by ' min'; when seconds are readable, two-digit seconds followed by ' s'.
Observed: 2 h 54 min 34 s
